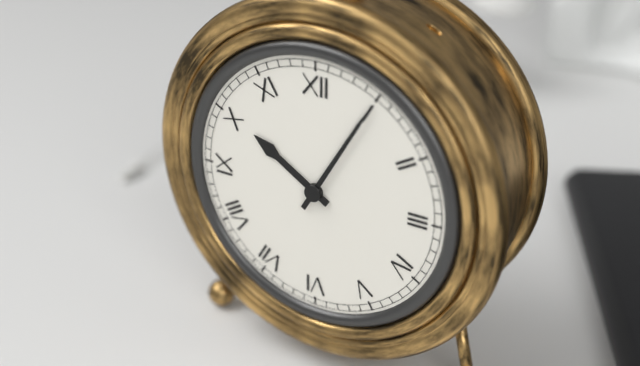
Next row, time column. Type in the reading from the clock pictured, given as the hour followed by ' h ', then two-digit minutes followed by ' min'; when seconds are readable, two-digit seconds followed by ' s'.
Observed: 10 h 05 min
